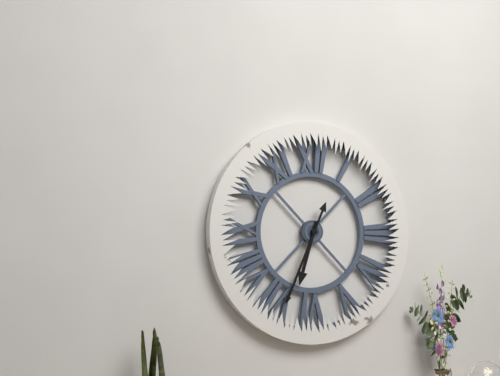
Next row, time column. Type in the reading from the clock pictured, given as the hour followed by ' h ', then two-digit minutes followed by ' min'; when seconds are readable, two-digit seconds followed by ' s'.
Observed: 6 h 34 min
